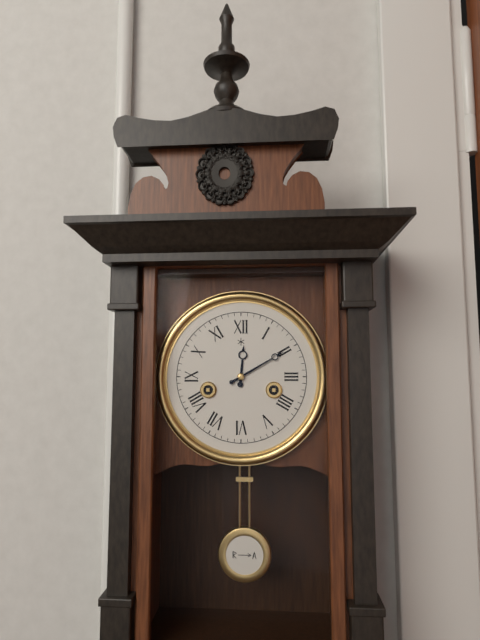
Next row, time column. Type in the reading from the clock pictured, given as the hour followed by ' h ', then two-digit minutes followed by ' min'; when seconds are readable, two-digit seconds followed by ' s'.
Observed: 12 h 10 min
